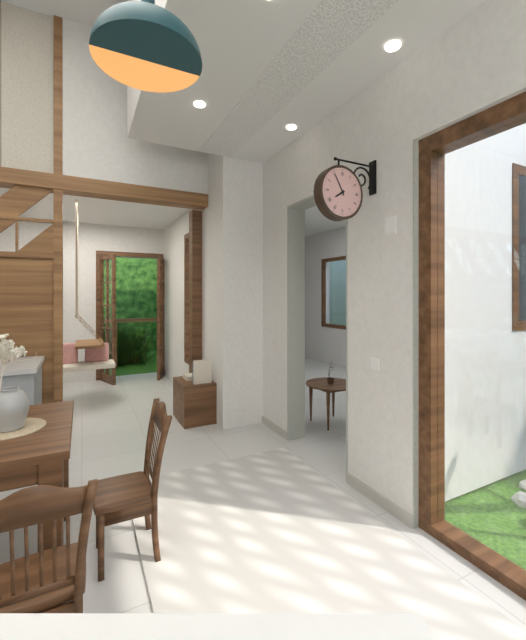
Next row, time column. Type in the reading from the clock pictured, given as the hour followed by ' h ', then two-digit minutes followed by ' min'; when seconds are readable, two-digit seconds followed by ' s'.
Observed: 7 h 55 min
